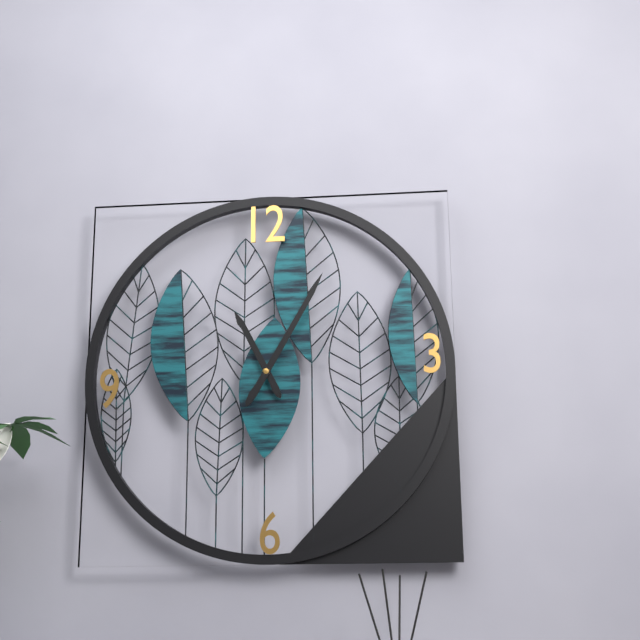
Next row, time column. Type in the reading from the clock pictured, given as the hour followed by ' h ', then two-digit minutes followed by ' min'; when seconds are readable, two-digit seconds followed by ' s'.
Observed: 11 h 05 min
